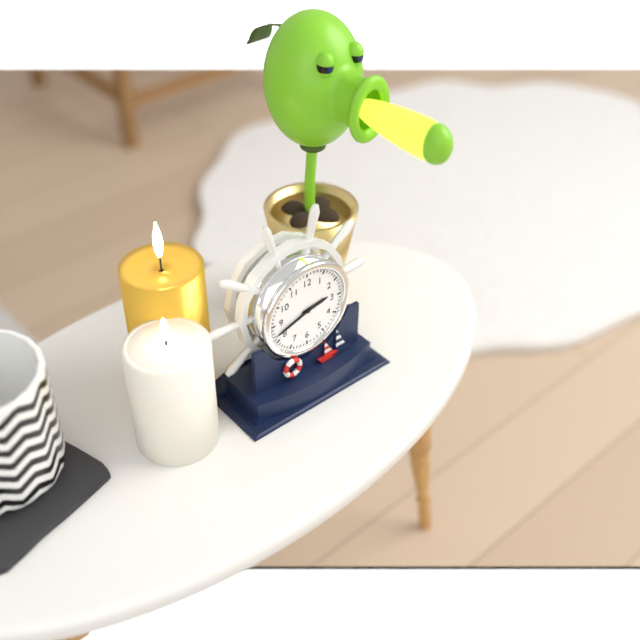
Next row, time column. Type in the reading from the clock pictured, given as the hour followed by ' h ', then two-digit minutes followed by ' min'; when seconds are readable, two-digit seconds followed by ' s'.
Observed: 2 h 42 min
